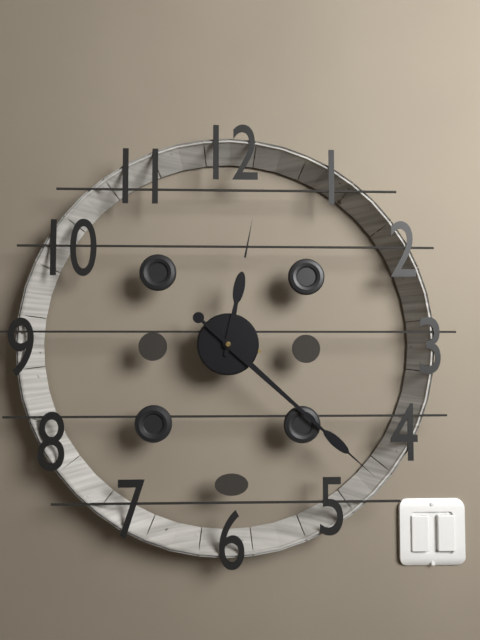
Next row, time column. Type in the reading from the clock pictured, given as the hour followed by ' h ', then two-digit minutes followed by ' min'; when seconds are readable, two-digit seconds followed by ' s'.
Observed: 12 h 22 min
